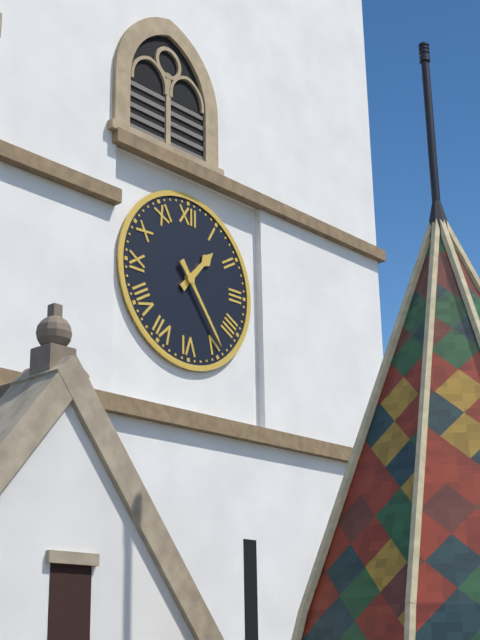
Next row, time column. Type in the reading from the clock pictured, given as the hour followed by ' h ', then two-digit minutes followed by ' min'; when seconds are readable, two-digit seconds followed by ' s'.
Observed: 1 h 24 min
